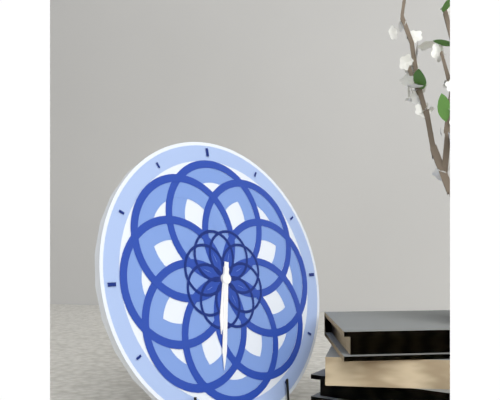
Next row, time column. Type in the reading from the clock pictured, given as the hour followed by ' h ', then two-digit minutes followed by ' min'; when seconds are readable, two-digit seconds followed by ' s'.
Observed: 6 h 32 min
